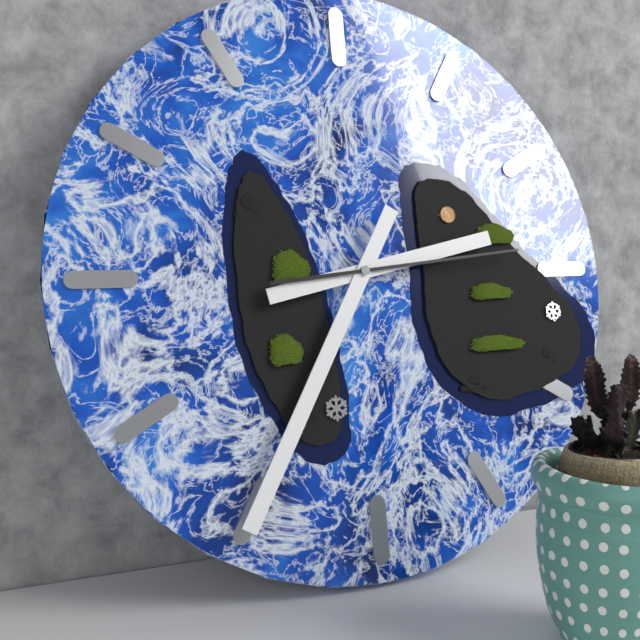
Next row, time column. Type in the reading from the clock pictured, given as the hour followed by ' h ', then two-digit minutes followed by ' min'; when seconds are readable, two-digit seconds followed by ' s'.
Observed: 2 h 35 min 14 s
